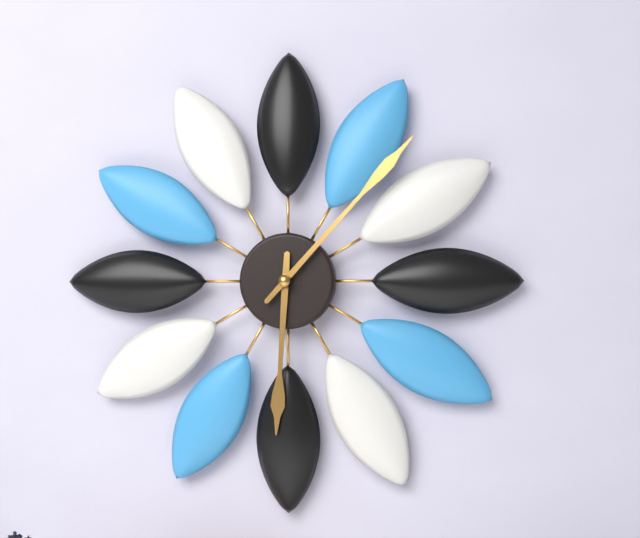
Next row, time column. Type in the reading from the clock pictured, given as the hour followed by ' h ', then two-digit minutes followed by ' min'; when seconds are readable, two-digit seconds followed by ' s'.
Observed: 6 h 07 min
